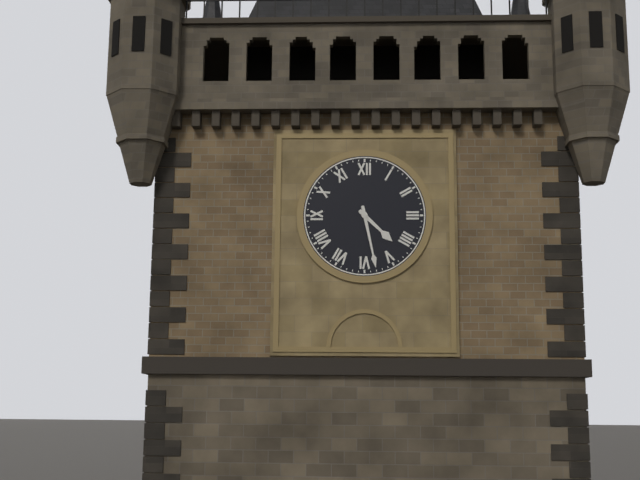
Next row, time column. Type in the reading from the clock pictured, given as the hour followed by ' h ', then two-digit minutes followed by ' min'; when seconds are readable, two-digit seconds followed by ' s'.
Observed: 4 h 28 min
